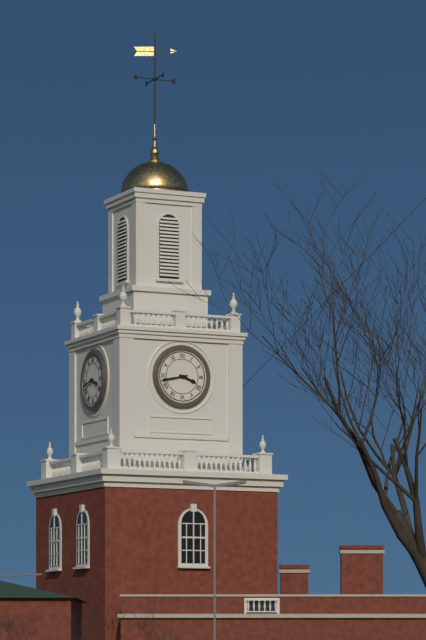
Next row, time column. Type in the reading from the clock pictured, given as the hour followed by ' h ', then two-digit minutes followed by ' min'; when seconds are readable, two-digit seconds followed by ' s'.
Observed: 3 h 43 min
